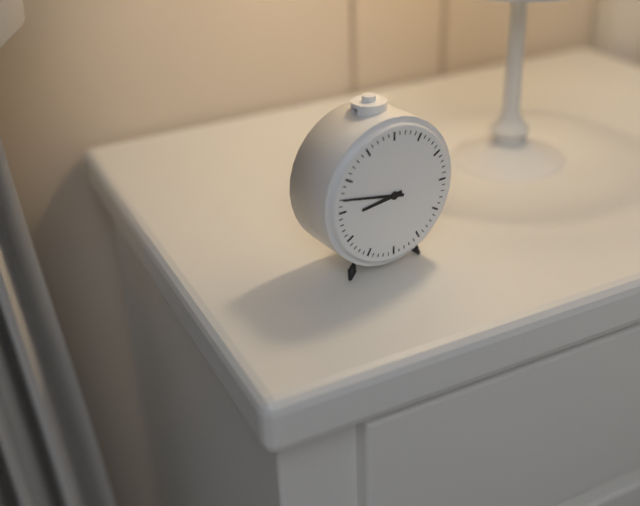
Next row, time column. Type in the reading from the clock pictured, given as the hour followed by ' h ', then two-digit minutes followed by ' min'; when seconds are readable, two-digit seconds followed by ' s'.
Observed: 8 h 47 min
